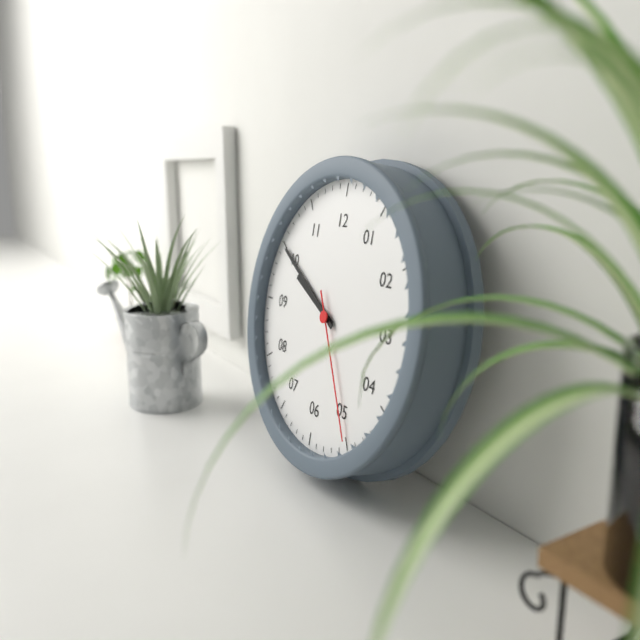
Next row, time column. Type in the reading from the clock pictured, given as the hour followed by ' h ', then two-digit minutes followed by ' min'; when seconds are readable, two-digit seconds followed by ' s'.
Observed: 9 h 50 min 25 s
